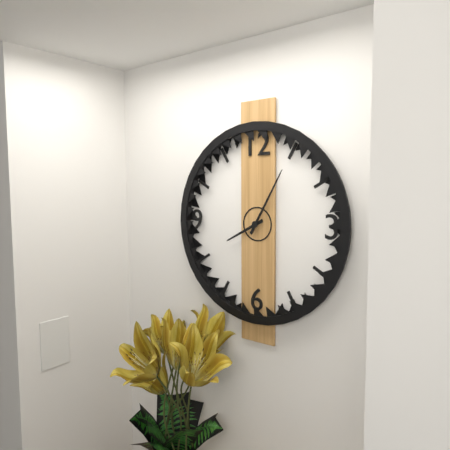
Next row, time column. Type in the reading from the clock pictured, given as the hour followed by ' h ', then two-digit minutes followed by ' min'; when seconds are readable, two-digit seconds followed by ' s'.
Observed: 8 h 05 min
